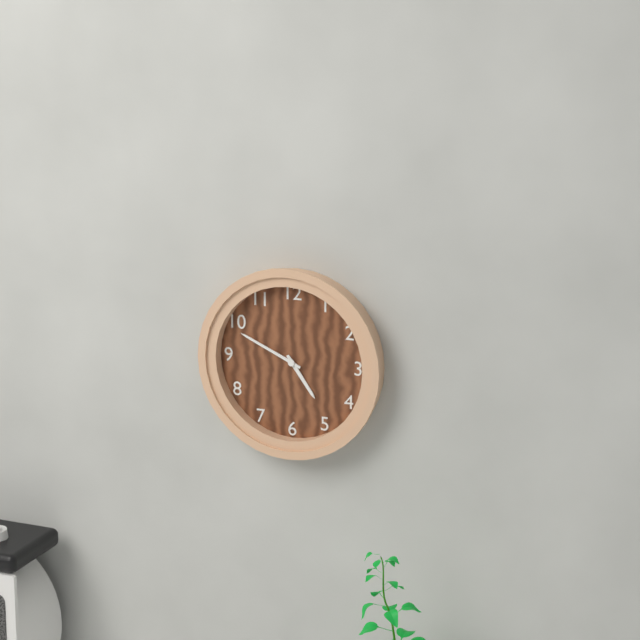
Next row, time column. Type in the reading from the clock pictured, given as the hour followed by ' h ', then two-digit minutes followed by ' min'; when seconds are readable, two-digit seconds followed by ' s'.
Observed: 4 h 49 min
